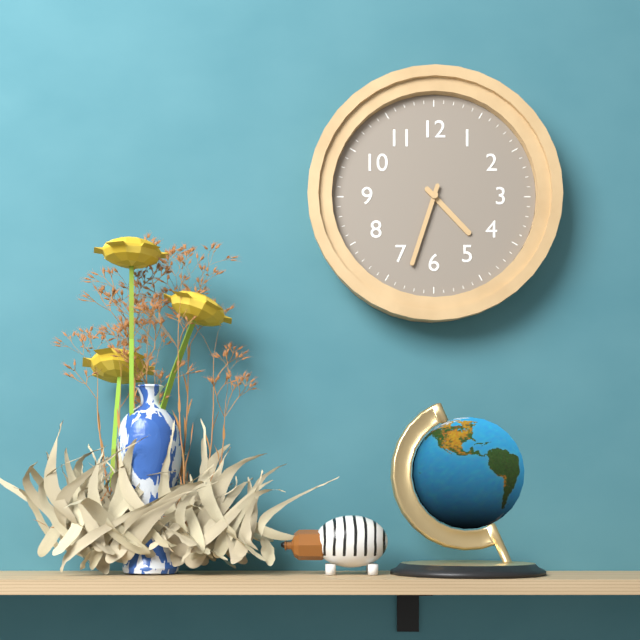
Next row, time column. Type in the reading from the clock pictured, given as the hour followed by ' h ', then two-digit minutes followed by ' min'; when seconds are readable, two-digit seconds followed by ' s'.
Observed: 4 h 33 min
